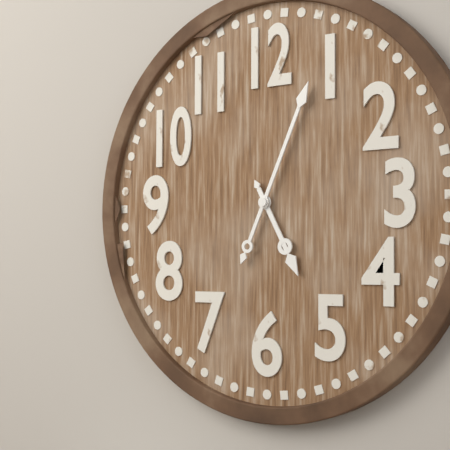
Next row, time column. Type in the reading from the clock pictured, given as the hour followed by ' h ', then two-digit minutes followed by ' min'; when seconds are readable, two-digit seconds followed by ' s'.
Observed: 5 h 04 min
